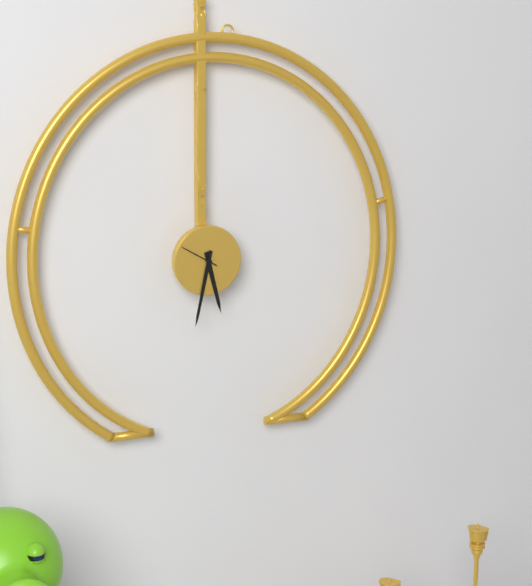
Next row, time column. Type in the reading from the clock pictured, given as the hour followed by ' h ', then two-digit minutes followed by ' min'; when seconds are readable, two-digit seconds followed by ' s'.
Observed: 5 h 32 min
